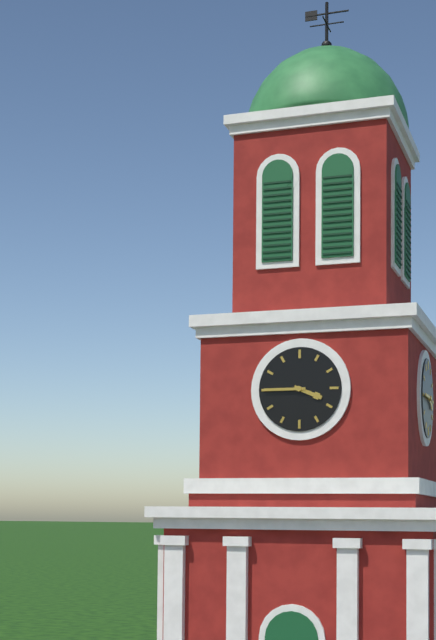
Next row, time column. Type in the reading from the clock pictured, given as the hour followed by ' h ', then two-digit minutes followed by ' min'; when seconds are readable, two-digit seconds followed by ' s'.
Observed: 3 h 45 min
